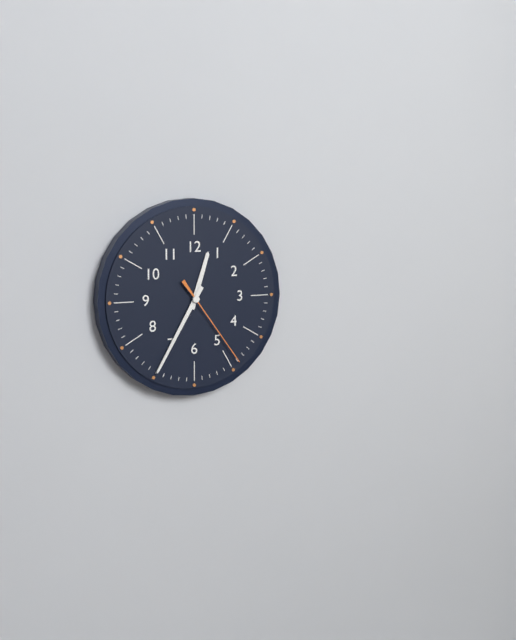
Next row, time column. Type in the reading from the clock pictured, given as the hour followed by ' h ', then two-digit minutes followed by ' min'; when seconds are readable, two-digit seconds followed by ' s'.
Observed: 12 h 35 min 24 s
